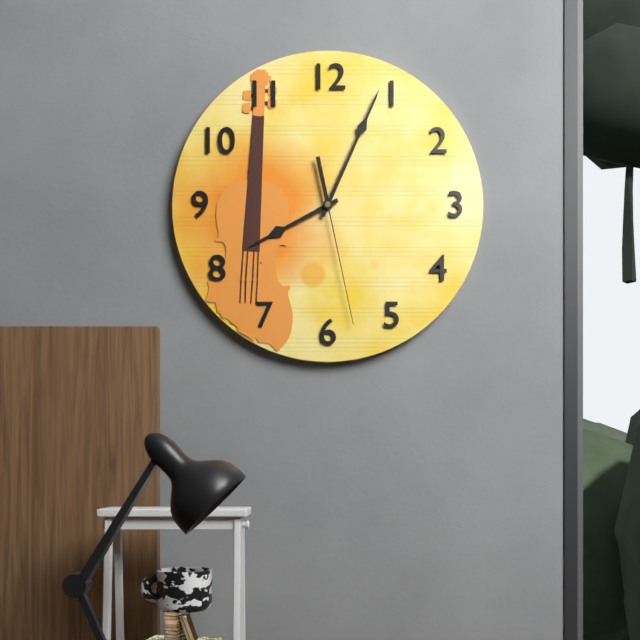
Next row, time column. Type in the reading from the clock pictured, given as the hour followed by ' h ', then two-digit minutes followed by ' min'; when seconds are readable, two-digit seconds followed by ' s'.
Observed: 8 h 04 min 28 s
